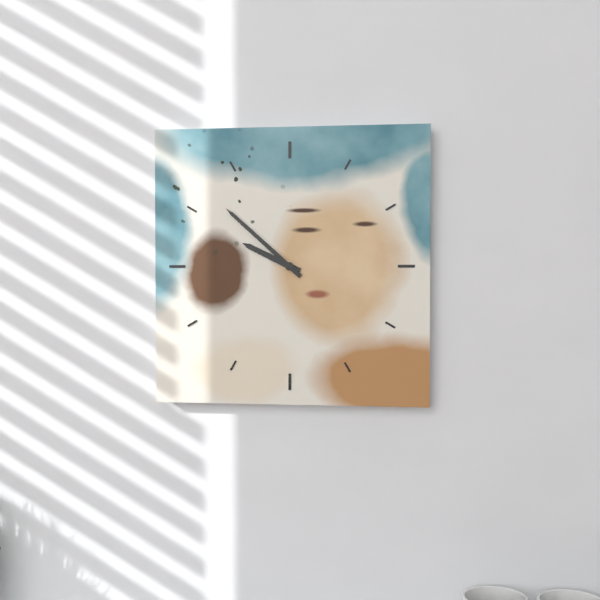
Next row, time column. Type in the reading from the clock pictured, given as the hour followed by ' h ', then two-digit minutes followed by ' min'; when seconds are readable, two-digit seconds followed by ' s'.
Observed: 9 h 52 min
